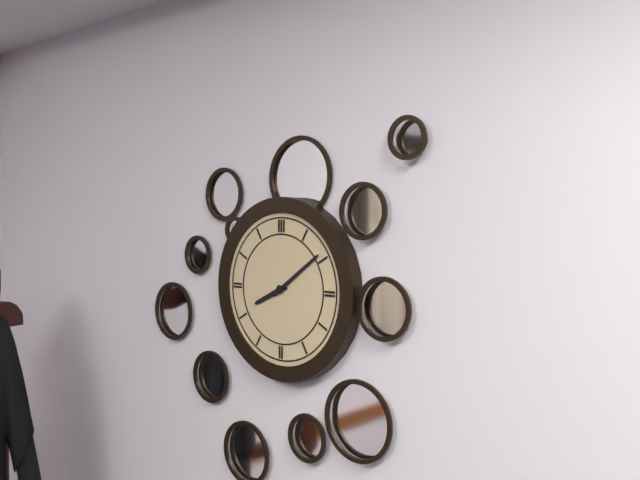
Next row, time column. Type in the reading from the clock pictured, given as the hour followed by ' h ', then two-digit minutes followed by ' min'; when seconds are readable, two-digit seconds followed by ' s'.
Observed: 8 h 09 min
